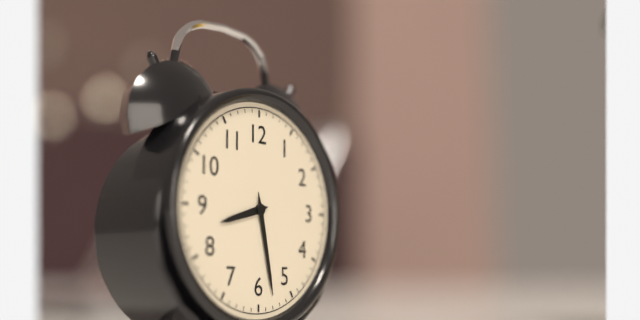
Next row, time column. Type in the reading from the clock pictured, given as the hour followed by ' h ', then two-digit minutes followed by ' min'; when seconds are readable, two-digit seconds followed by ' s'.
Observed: 8 h 28 min
